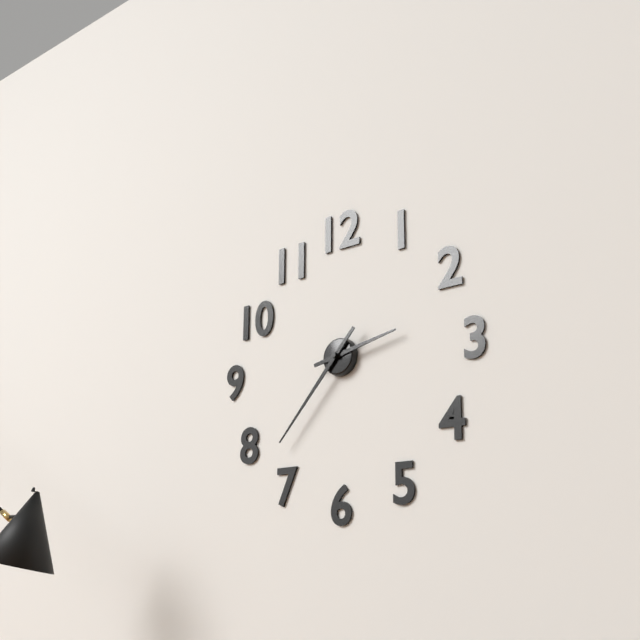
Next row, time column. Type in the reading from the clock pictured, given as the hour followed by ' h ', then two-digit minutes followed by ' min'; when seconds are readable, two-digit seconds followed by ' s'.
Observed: 2 h 37 min
